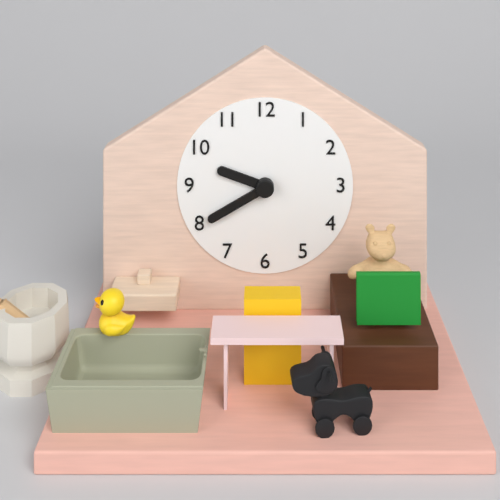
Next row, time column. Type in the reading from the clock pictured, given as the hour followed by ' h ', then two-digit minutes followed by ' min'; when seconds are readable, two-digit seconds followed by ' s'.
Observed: 9 h 40 min
